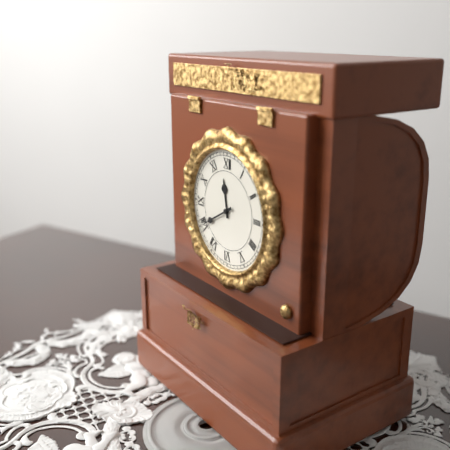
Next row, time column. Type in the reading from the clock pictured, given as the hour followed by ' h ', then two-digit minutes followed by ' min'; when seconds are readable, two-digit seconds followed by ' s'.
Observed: 11 h 40 min
